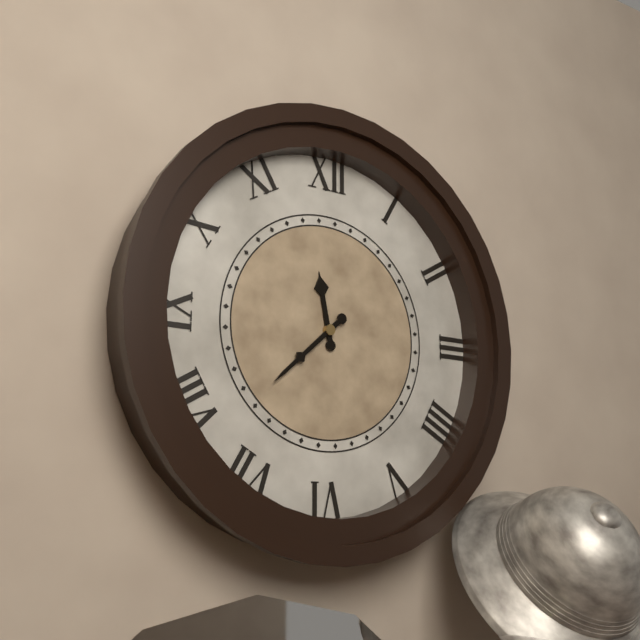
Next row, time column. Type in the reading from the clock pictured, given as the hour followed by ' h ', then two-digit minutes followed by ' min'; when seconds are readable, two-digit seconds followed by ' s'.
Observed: 11 h 38 min
